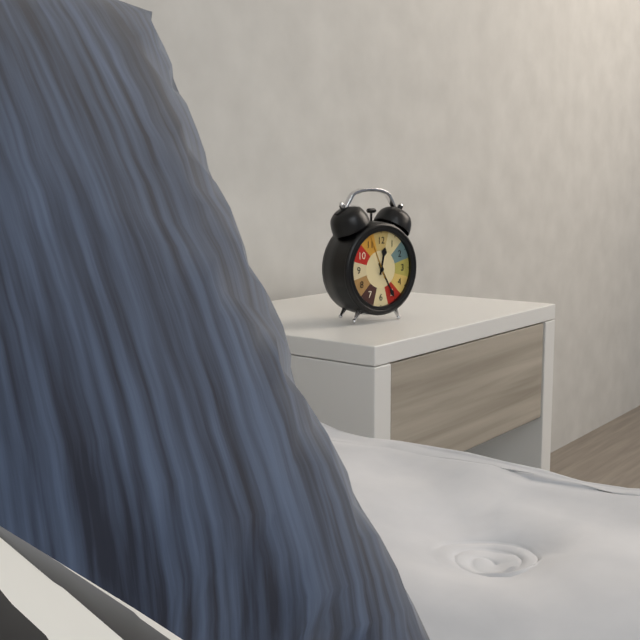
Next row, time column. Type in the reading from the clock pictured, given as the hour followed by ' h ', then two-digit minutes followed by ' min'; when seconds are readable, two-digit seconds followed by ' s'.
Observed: 12 h 25 min
